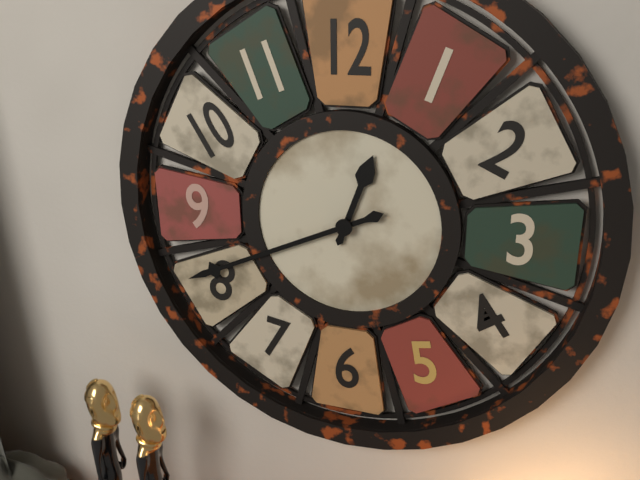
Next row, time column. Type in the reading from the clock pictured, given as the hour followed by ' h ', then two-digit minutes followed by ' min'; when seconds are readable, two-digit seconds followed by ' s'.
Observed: 12 h 41 min
